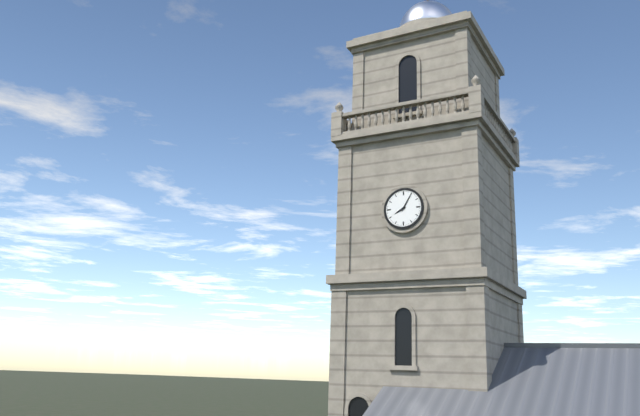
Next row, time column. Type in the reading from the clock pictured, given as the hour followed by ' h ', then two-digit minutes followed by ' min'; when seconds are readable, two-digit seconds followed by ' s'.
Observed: 8 h 05 min
